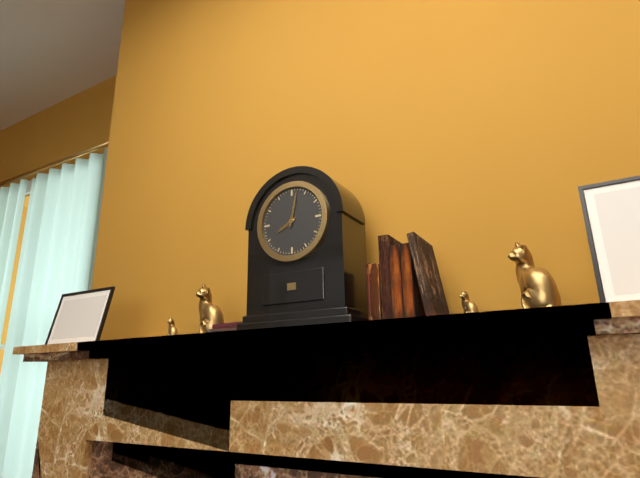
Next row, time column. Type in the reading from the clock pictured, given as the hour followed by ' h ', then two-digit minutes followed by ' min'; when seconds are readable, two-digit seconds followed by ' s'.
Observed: 8 h 02 min
